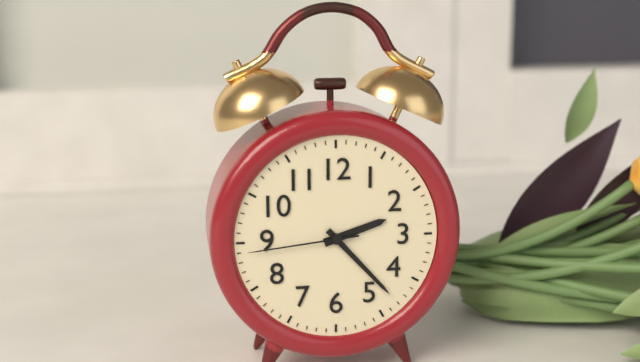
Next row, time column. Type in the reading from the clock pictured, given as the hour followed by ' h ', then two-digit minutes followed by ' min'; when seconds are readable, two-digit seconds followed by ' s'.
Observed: 2 h 23 min 44 s
